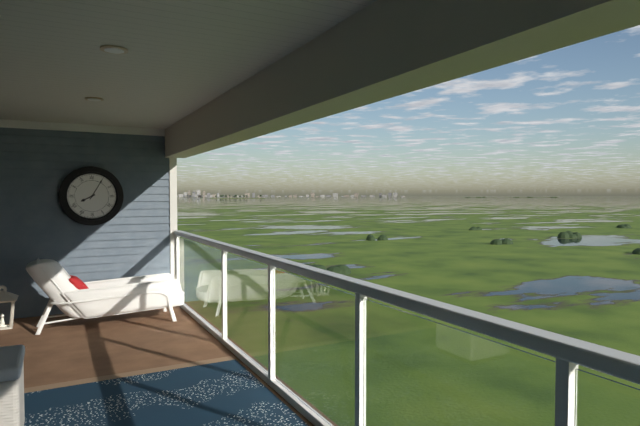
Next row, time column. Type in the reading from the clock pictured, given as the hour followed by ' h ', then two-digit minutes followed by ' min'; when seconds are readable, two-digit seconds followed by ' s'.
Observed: 8 h 05 min
